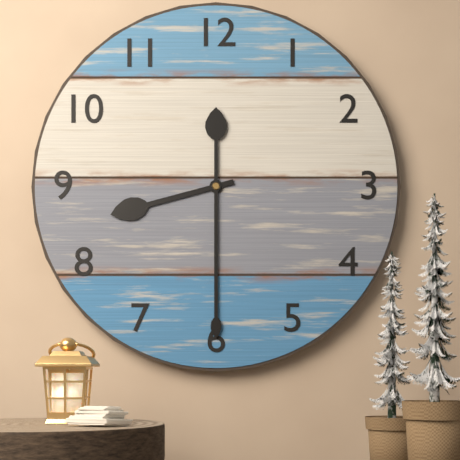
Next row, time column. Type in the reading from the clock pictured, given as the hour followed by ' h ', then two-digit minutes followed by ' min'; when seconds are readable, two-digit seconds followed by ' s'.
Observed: 8 h 30 min
